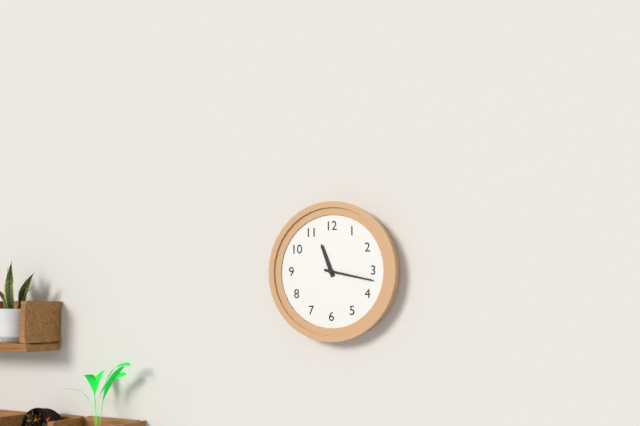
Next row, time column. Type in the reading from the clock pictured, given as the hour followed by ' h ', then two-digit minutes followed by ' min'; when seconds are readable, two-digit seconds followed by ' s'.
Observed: 11 h 17 min
